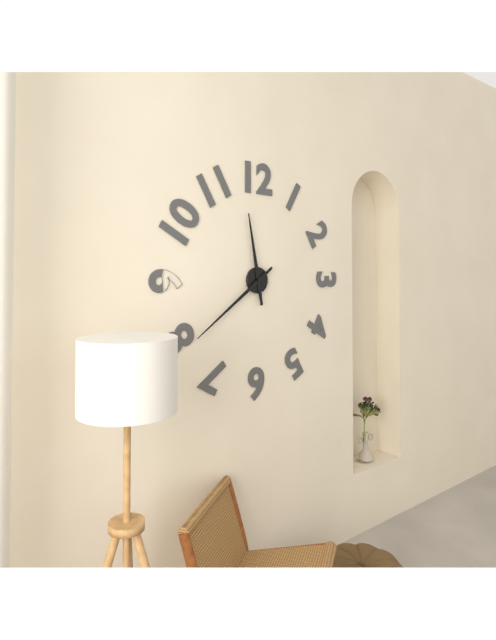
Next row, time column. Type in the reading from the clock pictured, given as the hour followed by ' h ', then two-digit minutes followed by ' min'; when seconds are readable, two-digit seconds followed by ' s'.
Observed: 11 h 39 min
